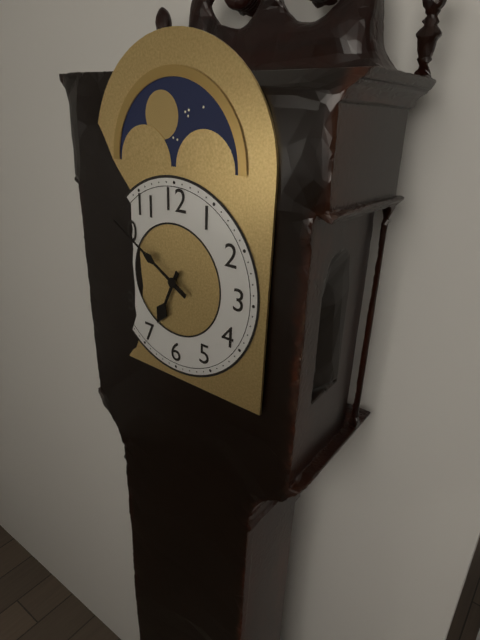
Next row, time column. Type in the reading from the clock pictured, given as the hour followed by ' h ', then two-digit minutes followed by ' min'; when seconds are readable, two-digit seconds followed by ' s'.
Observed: 6 h 50 min
